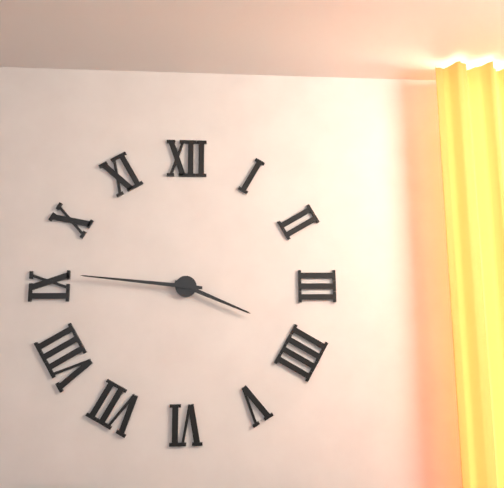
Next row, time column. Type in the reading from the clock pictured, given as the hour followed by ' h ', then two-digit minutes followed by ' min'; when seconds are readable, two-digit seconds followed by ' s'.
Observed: 3 h 46 min
